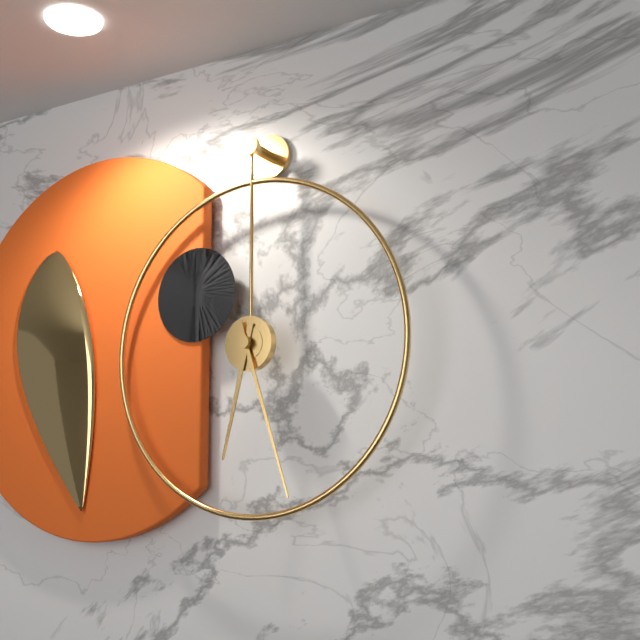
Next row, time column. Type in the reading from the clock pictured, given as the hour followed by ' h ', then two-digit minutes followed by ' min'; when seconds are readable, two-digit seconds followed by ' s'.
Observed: 6 h 27 min
